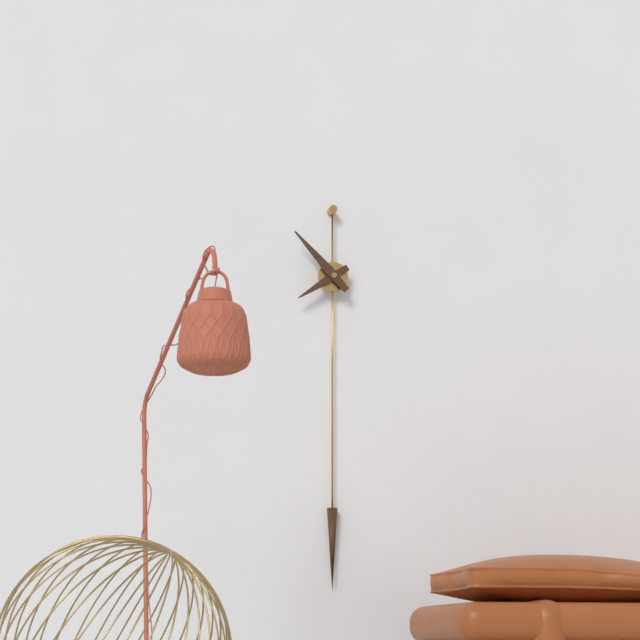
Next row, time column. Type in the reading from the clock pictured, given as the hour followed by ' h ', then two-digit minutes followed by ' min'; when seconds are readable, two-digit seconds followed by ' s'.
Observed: 7 h 53 min
